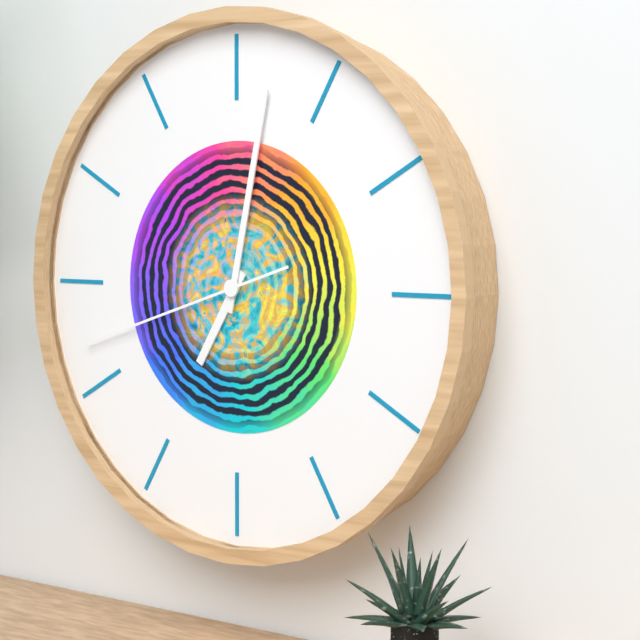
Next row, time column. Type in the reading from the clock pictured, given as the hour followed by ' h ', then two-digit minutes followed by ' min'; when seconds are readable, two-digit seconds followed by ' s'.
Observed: 7 h 02 min 42 s
